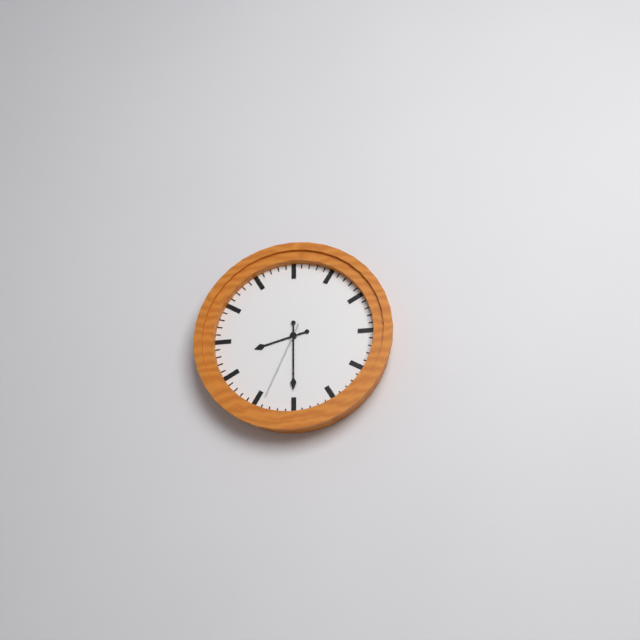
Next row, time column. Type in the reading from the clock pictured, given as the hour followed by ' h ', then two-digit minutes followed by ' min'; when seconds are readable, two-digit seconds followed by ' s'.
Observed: 8 h 30 min 34 s
